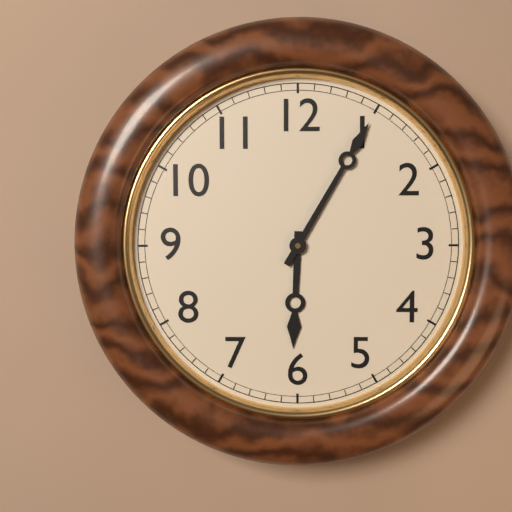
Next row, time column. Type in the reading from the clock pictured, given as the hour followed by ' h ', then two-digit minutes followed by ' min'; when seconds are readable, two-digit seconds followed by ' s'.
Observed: 6 h 05 min
